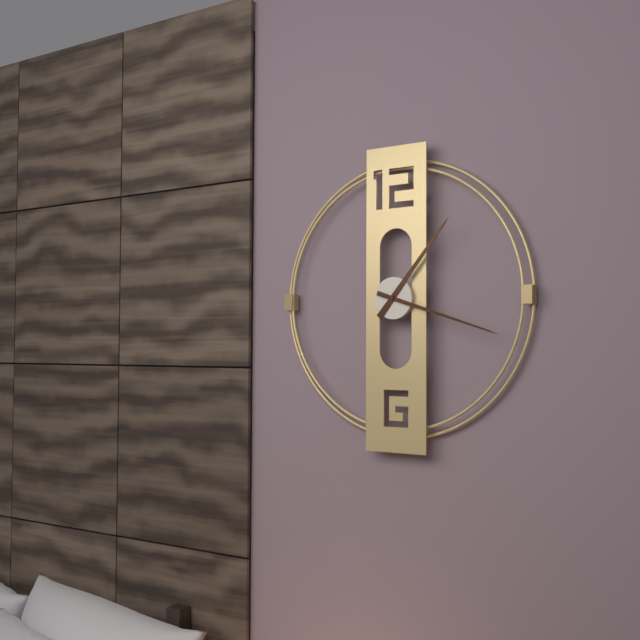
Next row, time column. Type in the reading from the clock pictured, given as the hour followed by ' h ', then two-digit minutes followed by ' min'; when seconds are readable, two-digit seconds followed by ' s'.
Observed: 1 h 18 min
